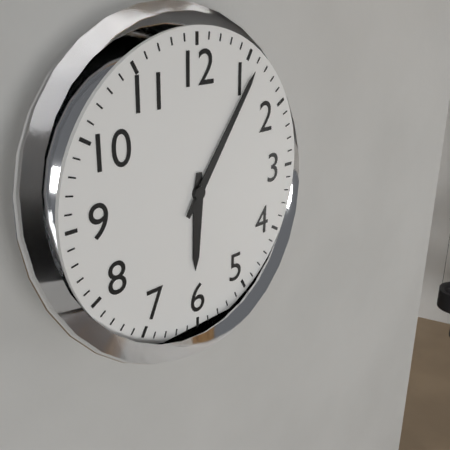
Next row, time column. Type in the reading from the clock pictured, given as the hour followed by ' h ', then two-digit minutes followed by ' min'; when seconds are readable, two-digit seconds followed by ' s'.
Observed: 6 h 06 min
